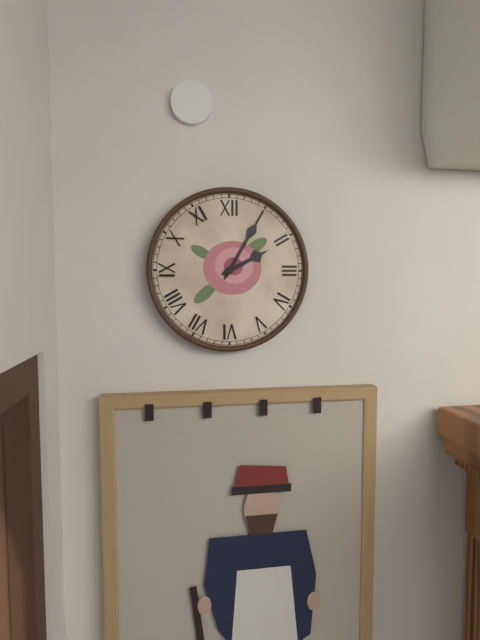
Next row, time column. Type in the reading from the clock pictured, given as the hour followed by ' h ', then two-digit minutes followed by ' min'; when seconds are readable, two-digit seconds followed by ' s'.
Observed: 2 h 05 min
